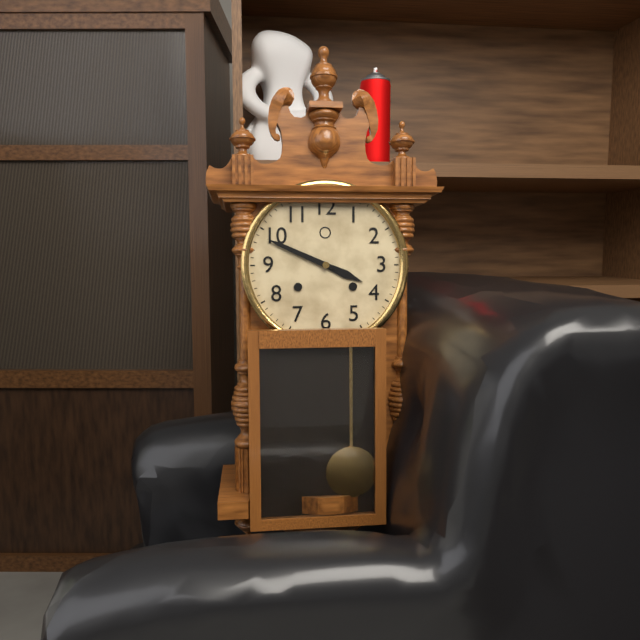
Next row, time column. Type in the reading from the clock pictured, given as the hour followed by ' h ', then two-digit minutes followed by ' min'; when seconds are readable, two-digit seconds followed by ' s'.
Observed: 3 h 49 min
